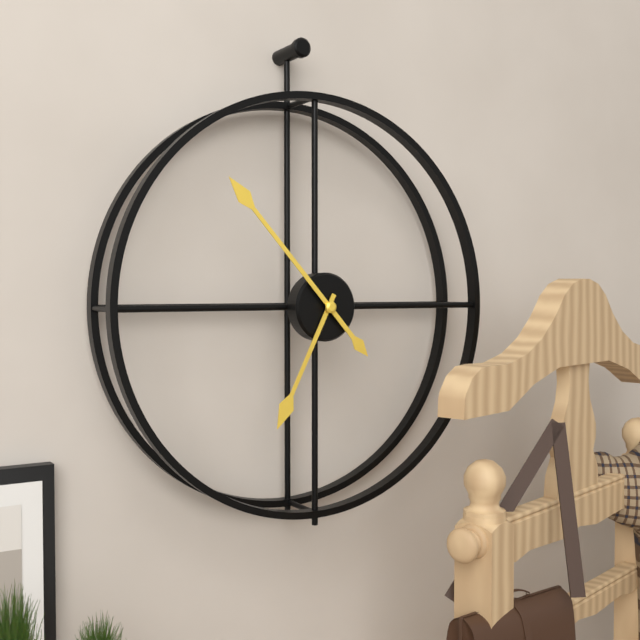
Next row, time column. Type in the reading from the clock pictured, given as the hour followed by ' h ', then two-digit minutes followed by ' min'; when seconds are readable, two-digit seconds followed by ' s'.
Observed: 6 h 53 min
